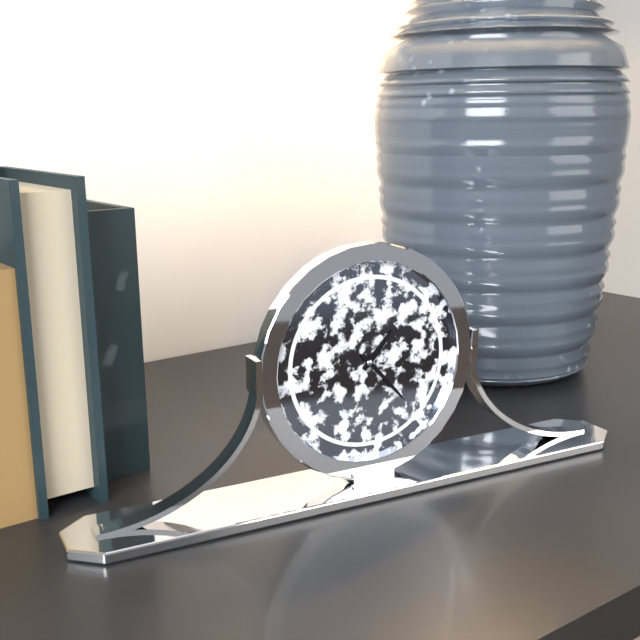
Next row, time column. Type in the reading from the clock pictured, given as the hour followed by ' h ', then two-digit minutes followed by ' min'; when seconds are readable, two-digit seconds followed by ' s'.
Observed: 1 h 23 min
